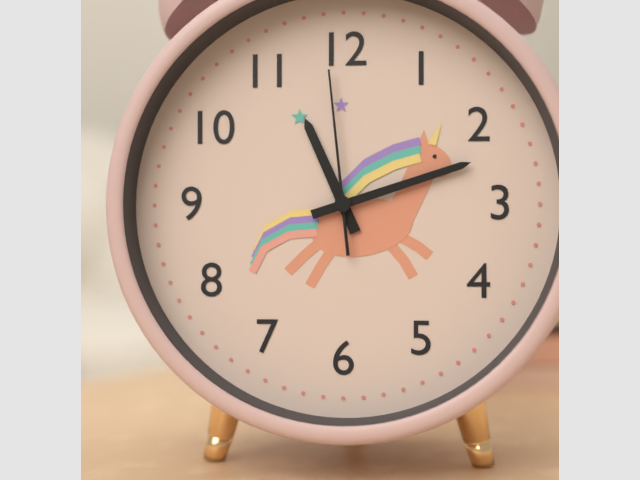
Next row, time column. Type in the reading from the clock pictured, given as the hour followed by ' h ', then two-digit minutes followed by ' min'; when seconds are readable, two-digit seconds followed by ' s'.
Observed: 11 h 12 min 59 s
